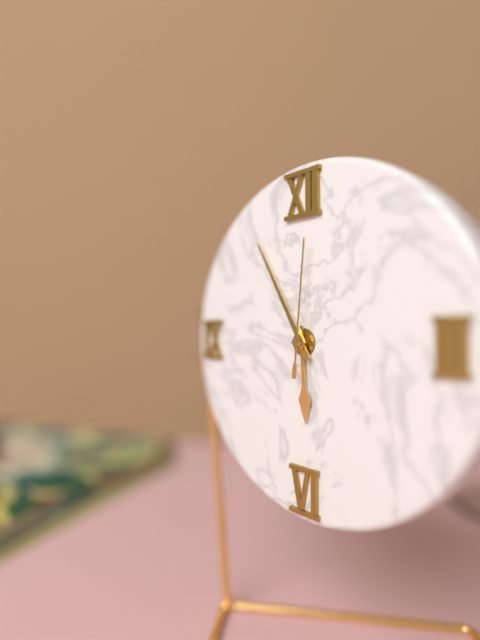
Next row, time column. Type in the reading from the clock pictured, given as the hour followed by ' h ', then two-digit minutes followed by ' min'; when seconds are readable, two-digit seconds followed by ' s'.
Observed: 5 h 55 min 01 s
